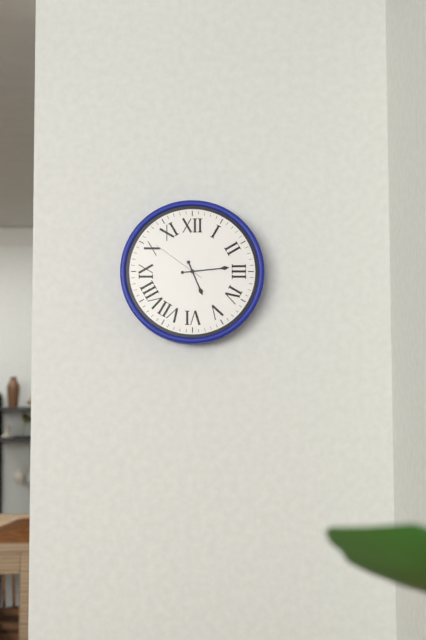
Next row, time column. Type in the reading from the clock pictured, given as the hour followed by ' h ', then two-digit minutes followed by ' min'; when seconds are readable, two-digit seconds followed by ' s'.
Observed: 5 h 14 min 51 s
